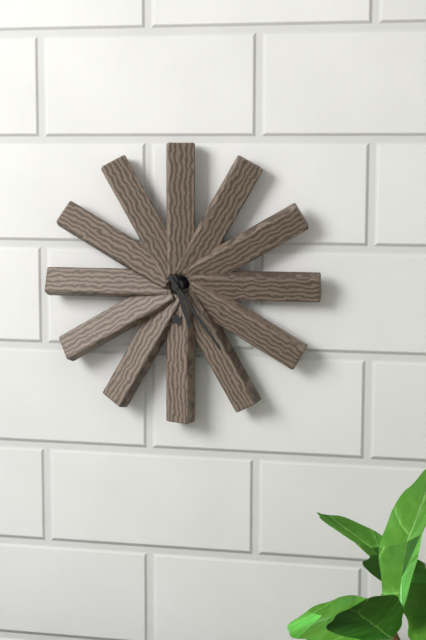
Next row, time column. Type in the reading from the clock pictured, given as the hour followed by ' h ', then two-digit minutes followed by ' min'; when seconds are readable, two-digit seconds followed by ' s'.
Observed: 5 h 24 min
